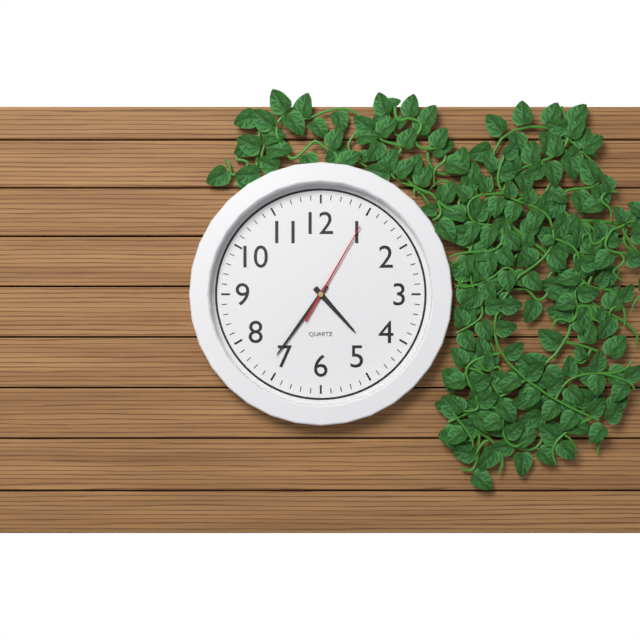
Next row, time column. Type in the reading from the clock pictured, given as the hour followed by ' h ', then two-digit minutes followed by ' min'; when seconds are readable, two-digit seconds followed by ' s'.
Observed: 4 h 36 min 05 s
